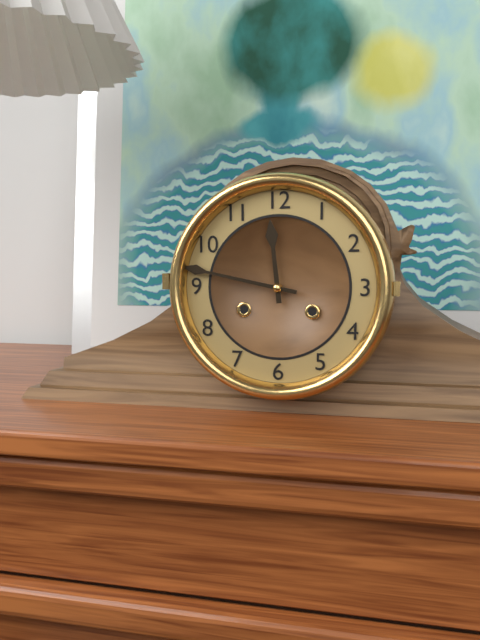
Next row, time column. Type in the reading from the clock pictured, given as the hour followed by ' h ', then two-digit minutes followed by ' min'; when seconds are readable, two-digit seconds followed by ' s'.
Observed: 11 h 47 min
